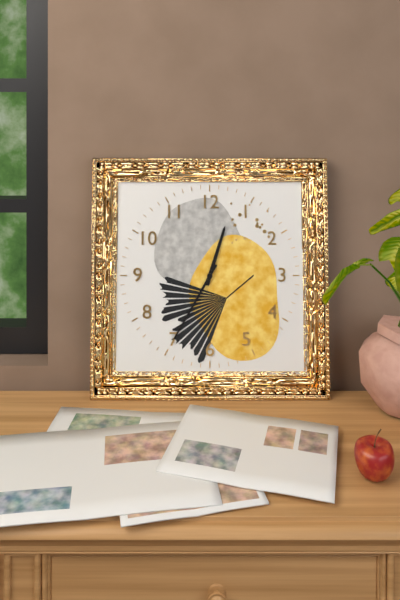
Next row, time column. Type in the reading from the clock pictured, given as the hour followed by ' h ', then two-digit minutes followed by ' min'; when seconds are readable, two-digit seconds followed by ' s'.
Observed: 12 h 35 min
